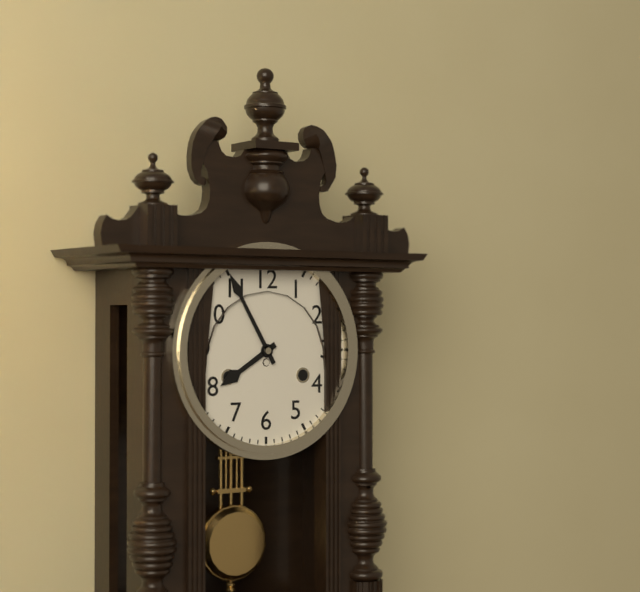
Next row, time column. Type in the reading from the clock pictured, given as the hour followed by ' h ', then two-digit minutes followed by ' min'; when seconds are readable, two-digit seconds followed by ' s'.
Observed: 7 h 55 min
